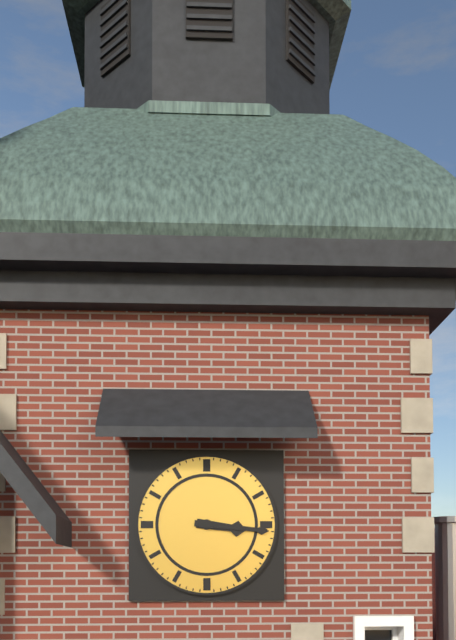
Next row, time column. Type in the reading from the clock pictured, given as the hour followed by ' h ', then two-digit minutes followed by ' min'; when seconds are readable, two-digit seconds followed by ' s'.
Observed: 3 h 16 min
